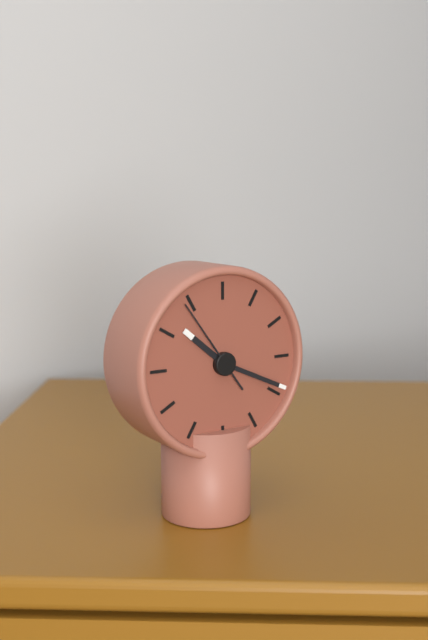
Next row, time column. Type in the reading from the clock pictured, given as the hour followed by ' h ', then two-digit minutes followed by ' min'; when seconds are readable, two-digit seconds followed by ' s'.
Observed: 10 h 19 min 54 s
